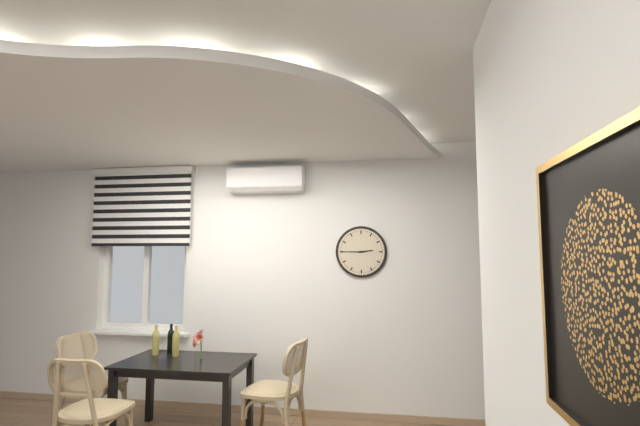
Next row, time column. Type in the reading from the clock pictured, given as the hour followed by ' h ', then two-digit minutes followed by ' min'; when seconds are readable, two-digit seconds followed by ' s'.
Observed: 2 h 45 min
